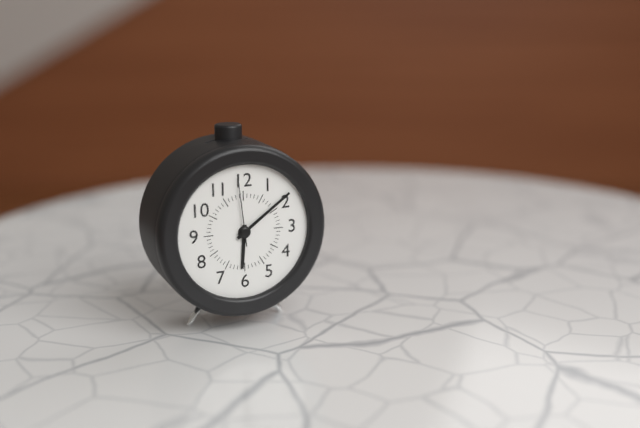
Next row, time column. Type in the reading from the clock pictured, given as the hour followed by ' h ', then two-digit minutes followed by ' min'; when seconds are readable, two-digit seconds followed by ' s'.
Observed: 6 h 09 min 59 s
